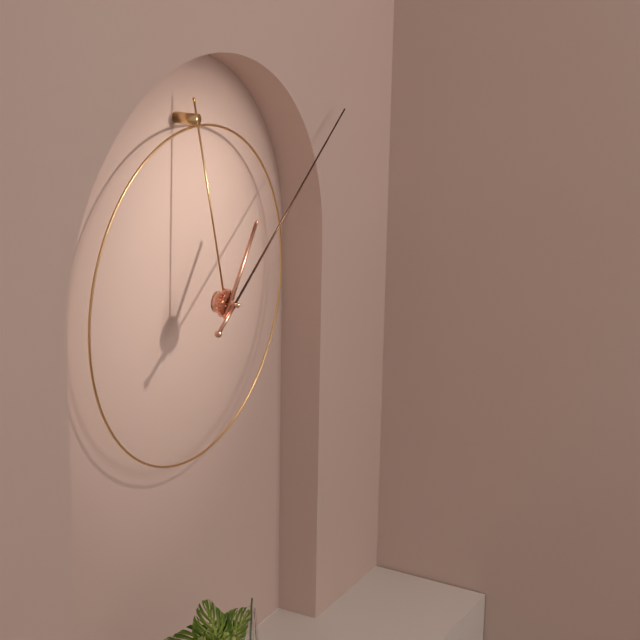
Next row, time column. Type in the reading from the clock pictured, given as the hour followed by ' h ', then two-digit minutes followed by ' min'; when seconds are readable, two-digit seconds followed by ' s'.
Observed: 1 h 09 min
